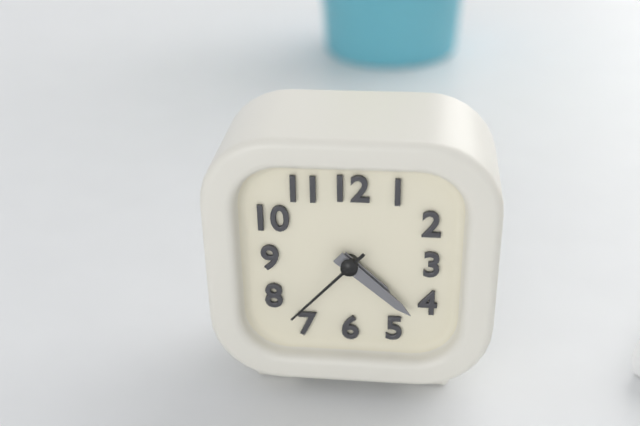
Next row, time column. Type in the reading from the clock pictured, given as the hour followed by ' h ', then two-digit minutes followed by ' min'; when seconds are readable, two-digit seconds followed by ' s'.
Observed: 4 h 22 min 37 s
